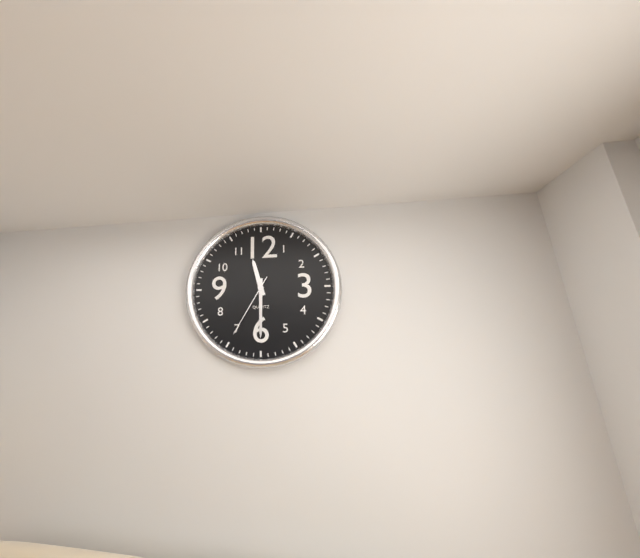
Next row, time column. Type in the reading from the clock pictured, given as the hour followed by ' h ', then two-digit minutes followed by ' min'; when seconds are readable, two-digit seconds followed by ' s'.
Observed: 11 h 30 min 35 s
